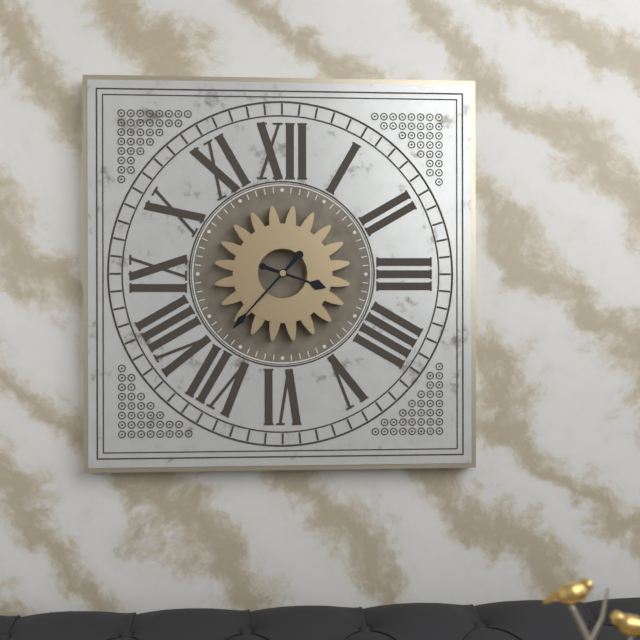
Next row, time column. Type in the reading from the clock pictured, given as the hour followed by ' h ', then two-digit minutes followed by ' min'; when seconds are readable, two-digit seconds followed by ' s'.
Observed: 3 h 37 min
